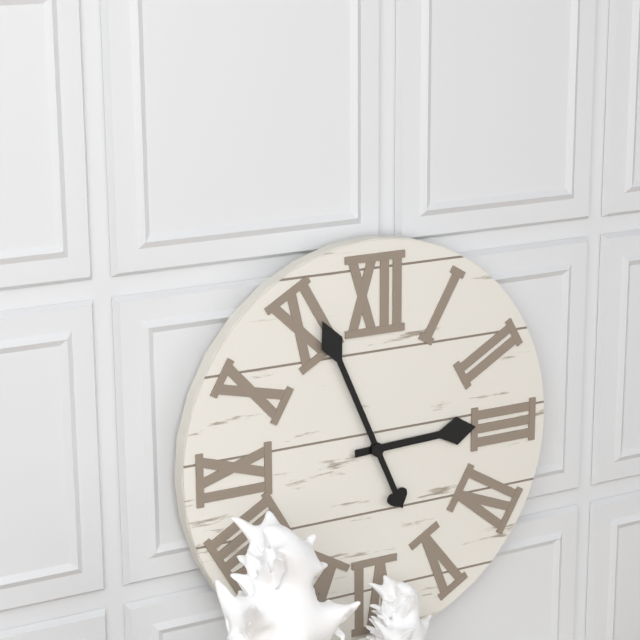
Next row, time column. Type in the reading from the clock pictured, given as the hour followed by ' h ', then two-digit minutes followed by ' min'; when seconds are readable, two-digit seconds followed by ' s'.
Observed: 2 h 56 min
